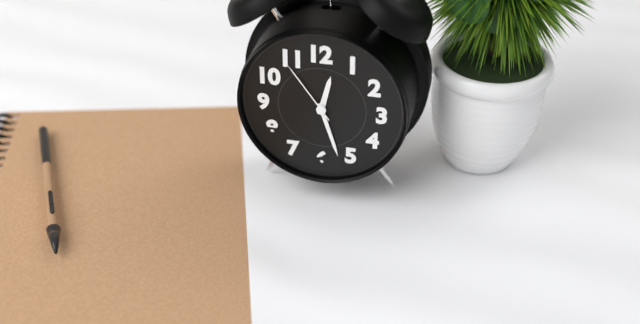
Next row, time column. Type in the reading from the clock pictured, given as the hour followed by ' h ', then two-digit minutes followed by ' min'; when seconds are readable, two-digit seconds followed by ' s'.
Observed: 12 h 27 min 54 s
